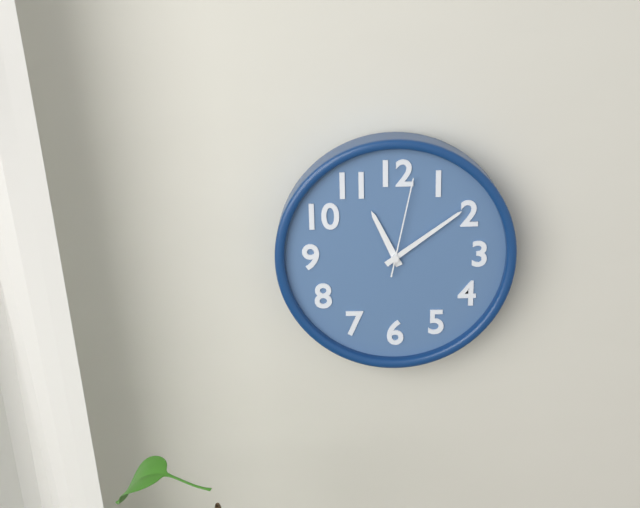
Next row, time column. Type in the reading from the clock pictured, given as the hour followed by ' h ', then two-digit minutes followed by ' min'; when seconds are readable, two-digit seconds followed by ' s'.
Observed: 11 h 09 min 02 s
